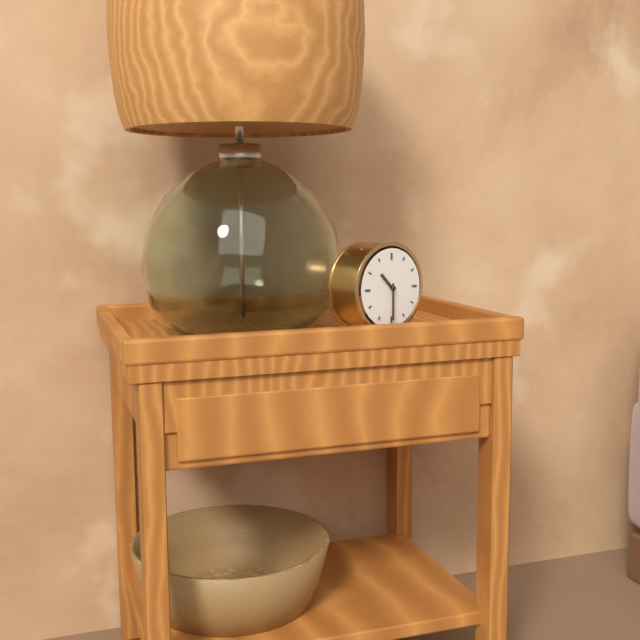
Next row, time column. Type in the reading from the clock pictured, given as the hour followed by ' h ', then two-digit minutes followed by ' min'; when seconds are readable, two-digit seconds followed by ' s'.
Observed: 10 h 30 min
